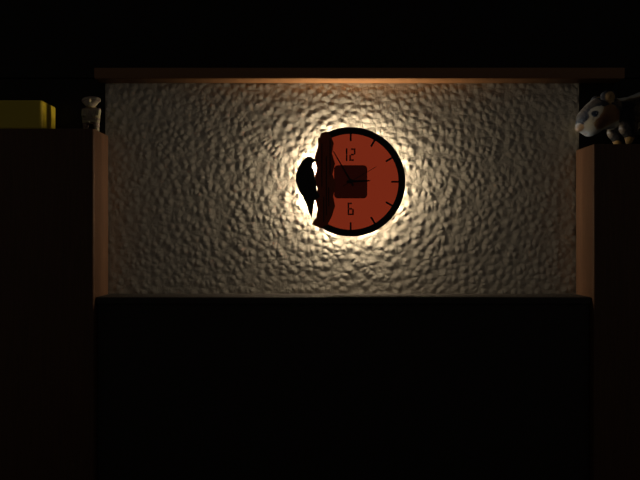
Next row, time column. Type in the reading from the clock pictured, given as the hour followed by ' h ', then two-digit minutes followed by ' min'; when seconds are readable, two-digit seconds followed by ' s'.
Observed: 2 h 55 min
